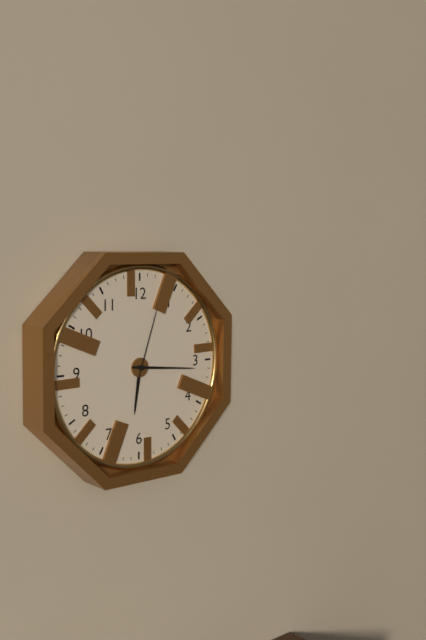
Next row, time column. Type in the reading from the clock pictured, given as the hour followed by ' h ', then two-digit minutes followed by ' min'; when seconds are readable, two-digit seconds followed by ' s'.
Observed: 6 h 16 min 03 s
